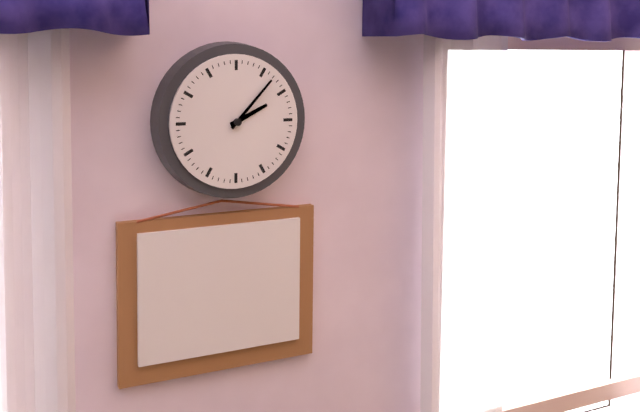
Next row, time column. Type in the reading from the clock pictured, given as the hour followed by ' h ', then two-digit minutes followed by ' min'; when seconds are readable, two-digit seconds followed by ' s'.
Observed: 2 h 07 min
